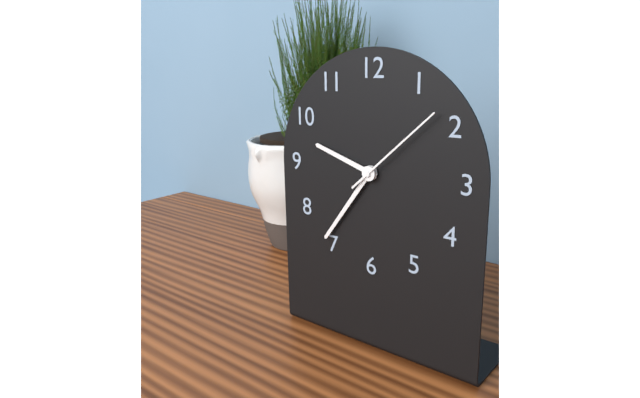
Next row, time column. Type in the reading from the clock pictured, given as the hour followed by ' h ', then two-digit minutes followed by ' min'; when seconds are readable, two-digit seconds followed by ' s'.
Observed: 9 h 36 min 08 s
